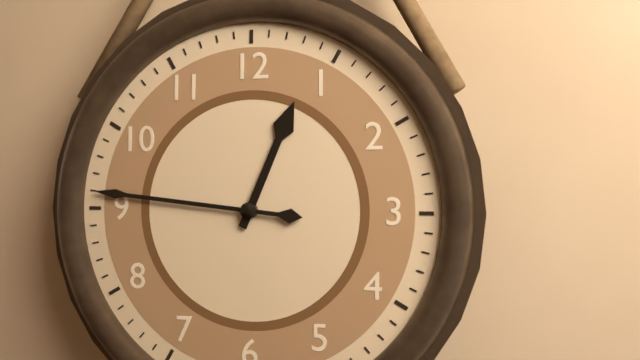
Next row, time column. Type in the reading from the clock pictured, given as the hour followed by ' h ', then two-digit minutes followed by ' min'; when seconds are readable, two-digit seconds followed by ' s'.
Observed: 12 h 46 min
